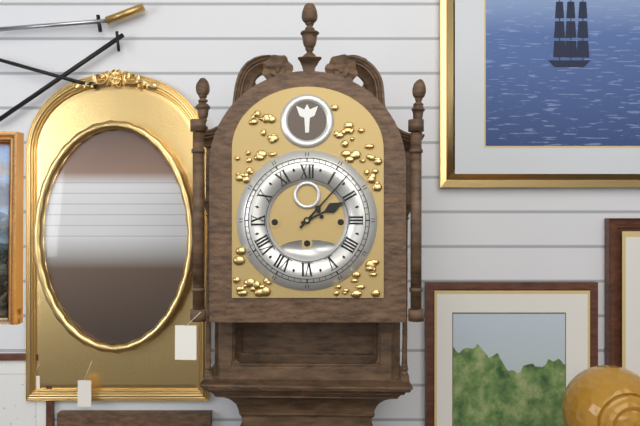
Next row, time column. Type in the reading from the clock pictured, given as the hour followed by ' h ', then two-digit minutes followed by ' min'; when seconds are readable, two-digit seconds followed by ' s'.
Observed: 2 h 07 min
